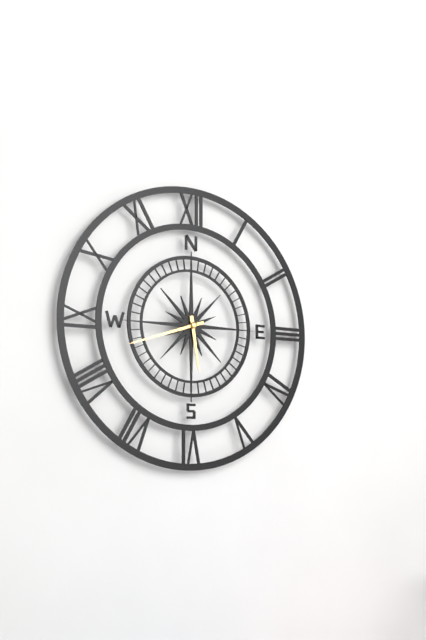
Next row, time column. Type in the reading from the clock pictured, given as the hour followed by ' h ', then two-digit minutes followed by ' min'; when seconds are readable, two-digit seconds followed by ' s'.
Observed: 5 h 42 min
